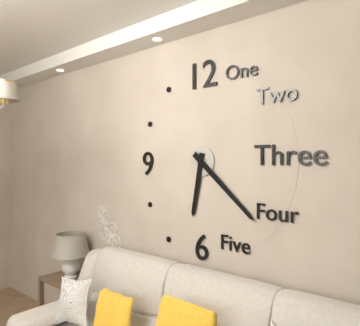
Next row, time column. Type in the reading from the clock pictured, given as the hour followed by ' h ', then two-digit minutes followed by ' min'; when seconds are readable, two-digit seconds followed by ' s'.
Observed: 6 h 22 min
